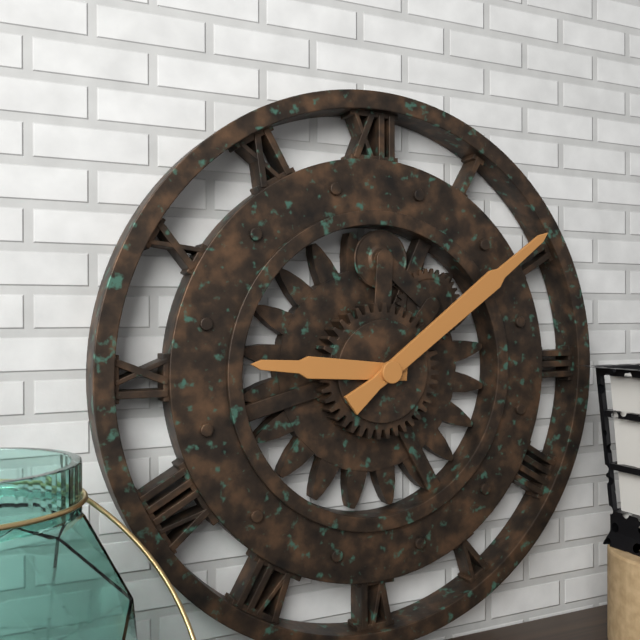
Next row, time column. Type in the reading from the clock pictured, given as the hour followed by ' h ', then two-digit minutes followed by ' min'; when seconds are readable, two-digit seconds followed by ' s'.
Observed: 9 h 09 min
